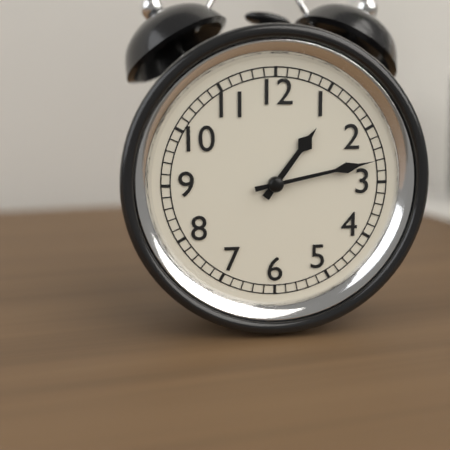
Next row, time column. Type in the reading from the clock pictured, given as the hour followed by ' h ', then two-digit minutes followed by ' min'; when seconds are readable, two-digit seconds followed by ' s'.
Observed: 1 h 13 min
